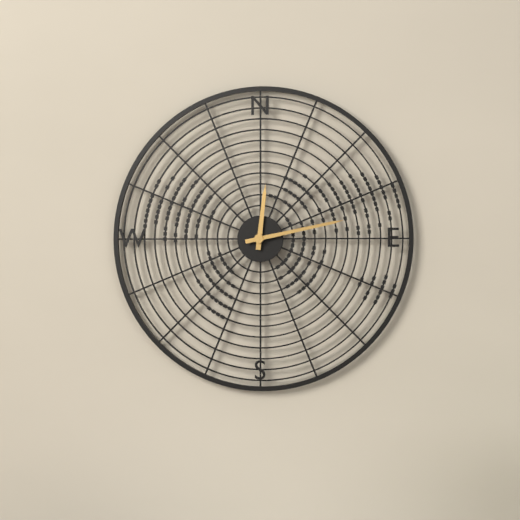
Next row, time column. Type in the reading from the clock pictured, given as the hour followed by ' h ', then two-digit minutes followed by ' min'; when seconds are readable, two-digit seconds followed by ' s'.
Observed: 12 h 13 min
